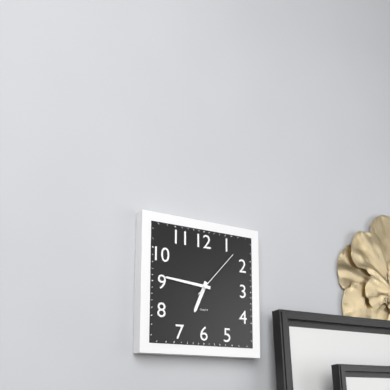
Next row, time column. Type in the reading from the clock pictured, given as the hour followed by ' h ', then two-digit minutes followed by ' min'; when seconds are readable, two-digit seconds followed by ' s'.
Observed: 6 h 46 min 07 s
